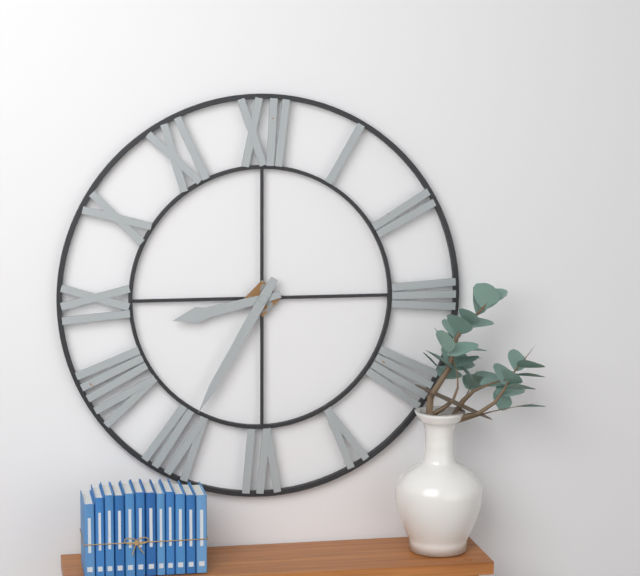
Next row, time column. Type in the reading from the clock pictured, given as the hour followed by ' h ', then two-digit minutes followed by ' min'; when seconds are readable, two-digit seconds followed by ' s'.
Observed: 8 h 35 min
